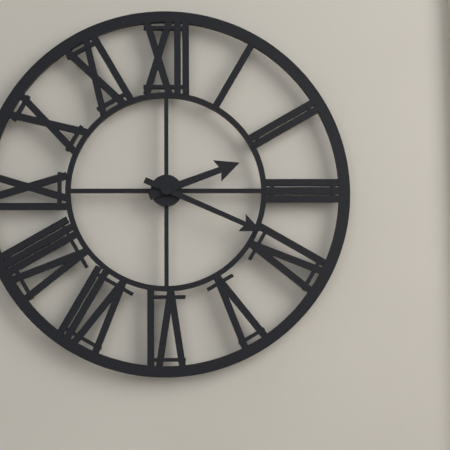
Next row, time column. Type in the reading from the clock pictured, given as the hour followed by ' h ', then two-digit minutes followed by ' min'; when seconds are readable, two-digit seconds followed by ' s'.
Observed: 2 h 19 min
